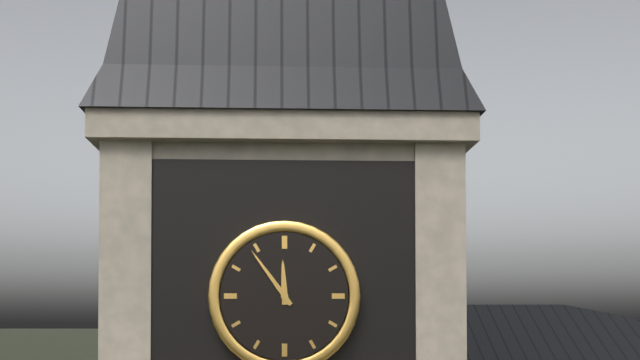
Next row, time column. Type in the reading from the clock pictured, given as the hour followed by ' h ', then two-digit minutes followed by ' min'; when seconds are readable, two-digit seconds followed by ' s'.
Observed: 11 h 54 min
